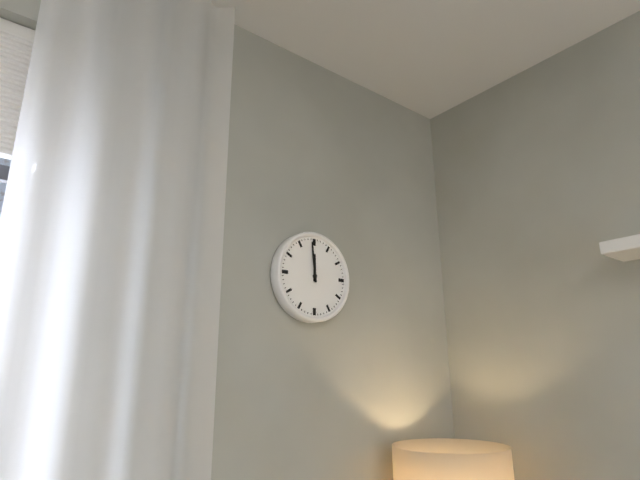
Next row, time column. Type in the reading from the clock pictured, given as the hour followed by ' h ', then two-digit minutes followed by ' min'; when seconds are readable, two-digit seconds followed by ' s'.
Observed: 11 h 59 min
